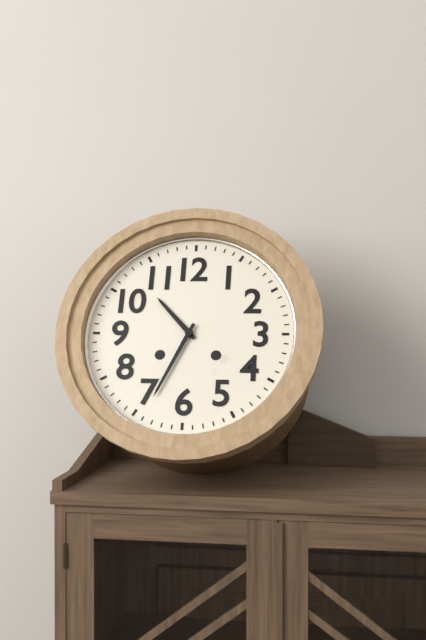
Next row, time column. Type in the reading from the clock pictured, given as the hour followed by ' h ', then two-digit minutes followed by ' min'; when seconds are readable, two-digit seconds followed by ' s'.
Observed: 10 h 34 min
